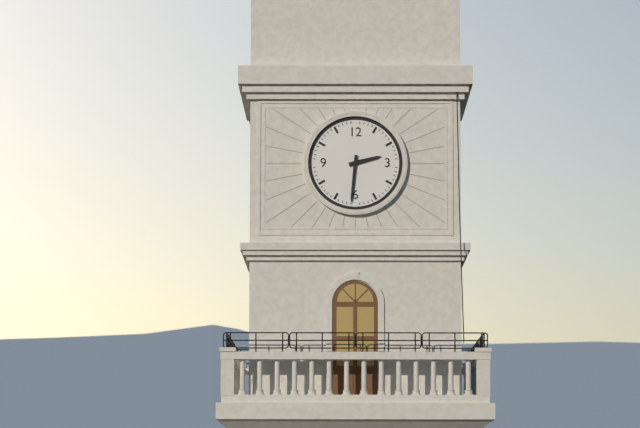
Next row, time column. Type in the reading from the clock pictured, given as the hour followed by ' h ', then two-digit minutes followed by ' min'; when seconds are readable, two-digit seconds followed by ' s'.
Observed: 2 h 31 min
